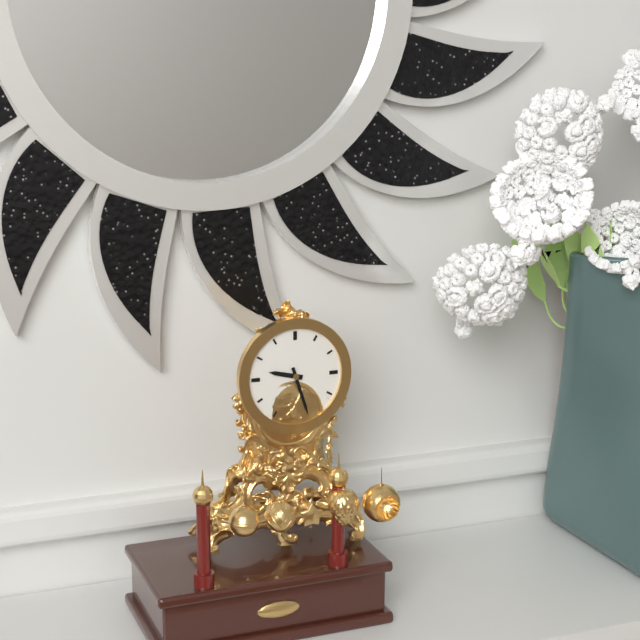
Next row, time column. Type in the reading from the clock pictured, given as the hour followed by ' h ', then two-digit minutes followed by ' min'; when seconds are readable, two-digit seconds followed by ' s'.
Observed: 9 h 27 min
